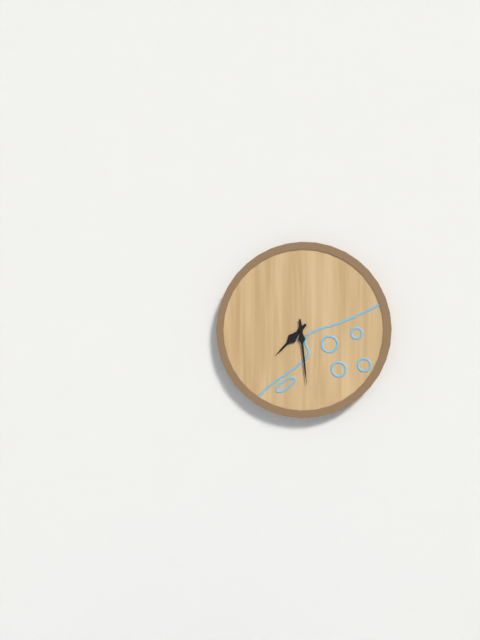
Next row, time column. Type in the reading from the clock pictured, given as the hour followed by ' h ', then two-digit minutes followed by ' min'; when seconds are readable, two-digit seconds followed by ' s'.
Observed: 7 h 29 min
